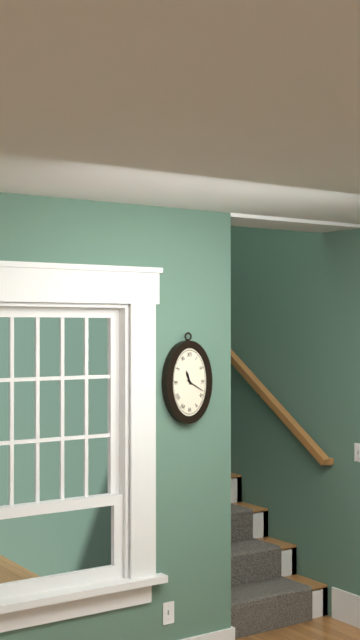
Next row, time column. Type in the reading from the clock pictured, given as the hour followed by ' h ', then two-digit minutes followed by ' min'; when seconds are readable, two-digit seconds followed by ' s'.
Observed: 11 h 20 min
